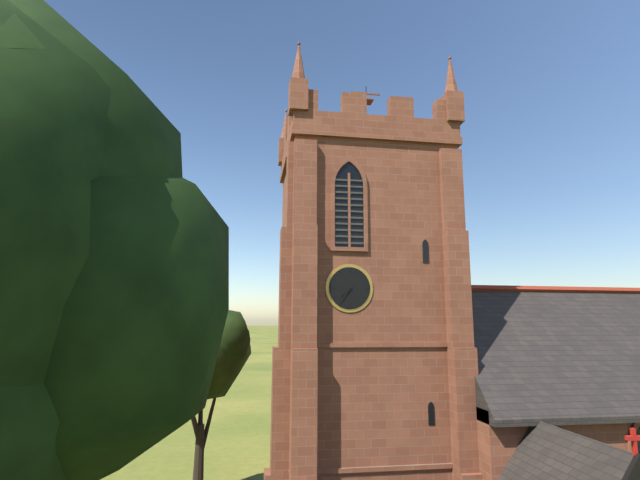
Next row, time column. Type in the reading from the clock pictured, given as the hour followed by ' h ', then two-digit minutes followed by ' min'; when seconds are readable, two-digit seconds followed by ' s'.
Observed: 7 h 36 min
